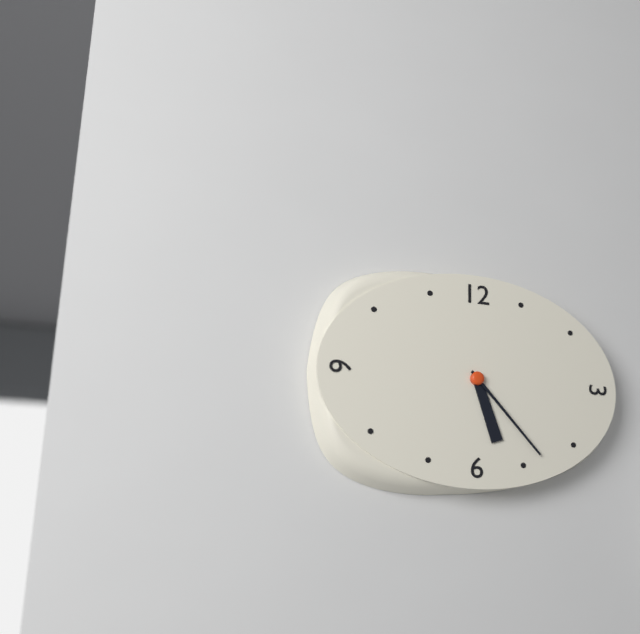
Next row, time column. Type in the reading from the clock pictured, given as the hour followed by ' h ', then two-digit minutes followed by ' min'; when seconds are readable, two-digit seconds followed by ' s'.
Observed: 5 h 23 min
